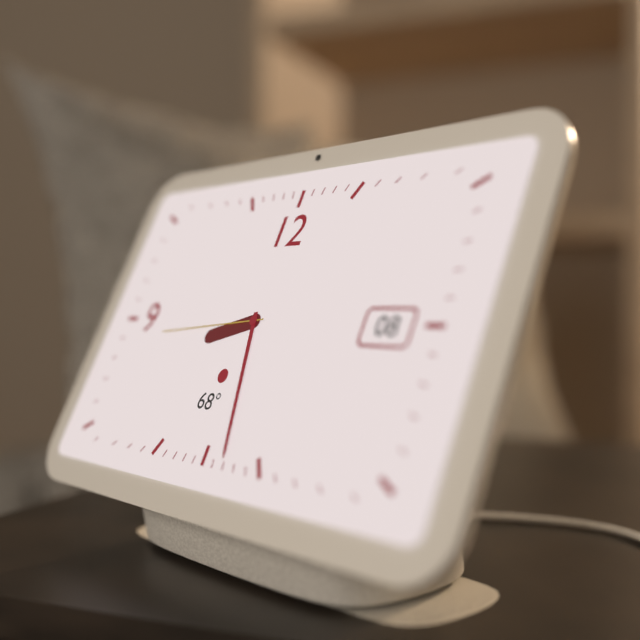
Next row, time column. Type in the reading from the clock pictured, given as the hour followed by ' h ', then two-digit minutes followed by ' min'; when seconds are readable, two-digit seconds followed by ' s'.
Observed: 8 h 28 min 44 s
